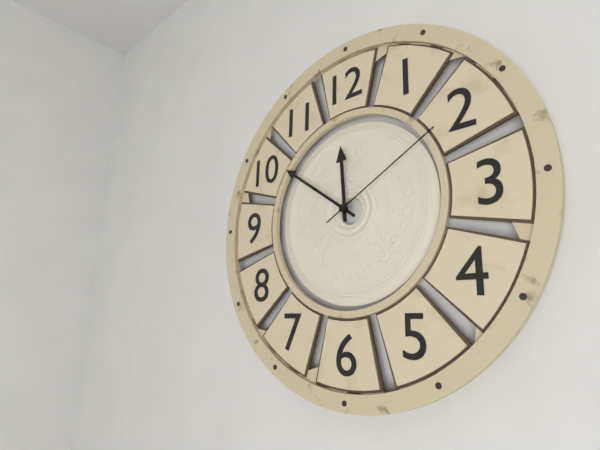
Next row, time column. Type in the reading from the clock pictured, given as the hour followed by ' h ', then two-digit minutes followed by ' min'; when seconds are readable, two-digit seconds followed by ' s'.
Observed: 11 h 51 min 10 s
